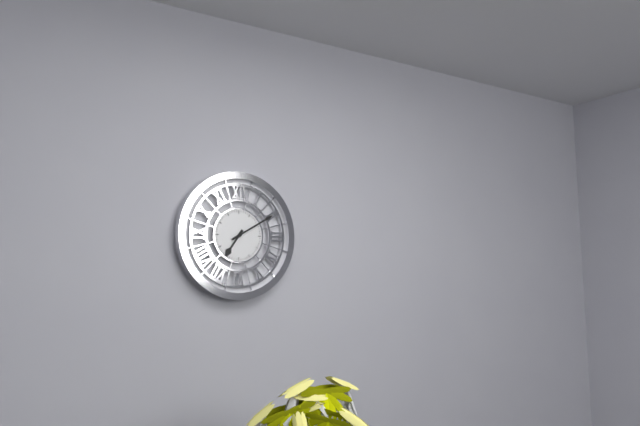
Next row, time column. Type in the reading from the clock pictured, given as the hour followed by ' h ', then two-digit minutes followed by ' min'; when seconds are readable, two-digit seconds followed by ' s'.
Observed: 7 h 10 min
